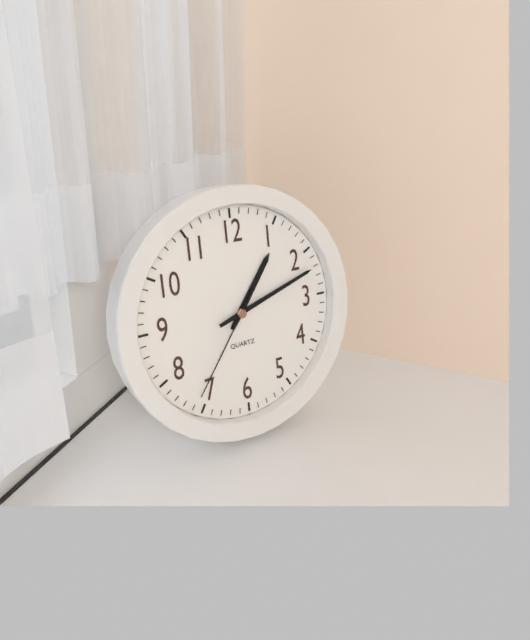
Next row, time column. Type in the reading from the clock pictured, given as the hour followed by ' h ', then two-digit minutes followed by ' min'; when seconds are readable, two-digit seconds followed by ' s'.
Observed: 1 h 12 min 36 s
